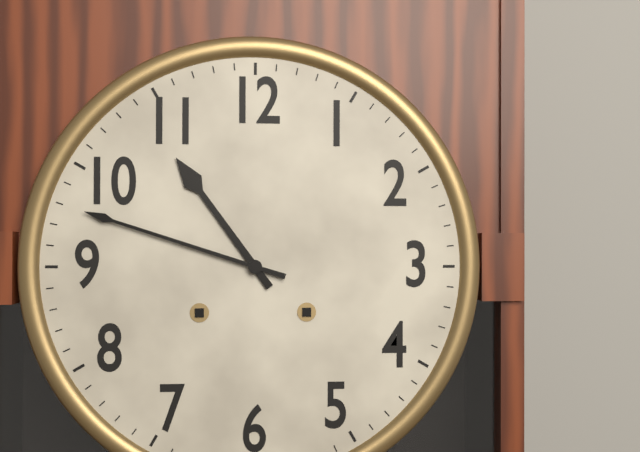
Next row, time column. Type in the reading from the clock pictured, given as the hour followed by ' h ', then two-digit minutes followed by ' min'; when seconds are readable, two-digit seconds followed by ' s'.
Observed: 10 h 48 min
